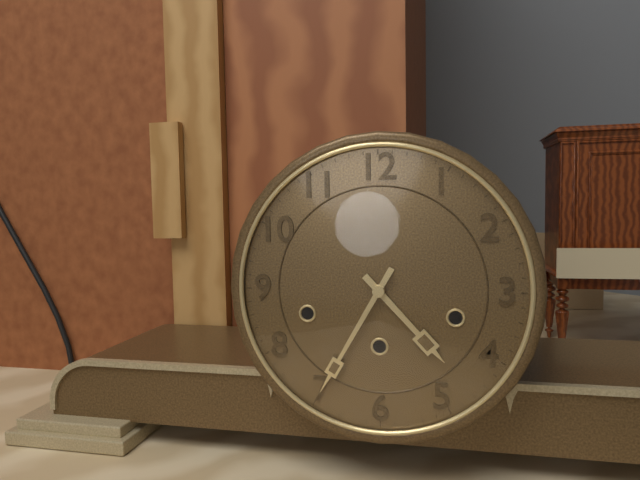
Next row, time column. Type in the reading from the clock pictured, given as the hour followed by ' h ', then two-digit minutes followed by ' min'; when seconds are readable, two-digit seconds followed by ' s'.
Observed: 4 h 35 min
